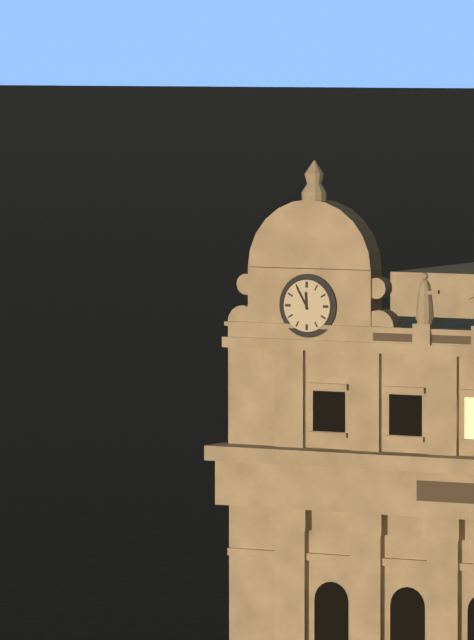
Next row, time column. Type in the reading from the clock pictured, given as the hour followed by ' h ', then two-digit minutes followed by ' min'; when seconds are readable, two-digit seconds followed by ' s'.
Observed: 11 h 55 min
